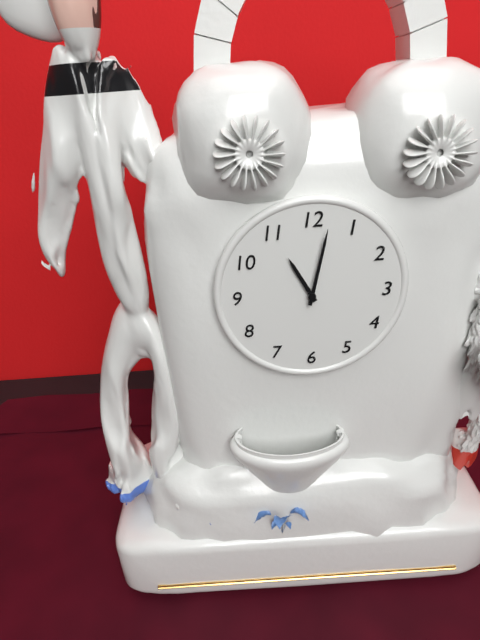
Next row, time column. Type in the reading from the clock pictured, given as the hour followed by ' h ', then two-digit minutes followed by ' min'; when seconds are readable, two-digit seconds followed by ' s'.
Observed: 11 h 02 min
